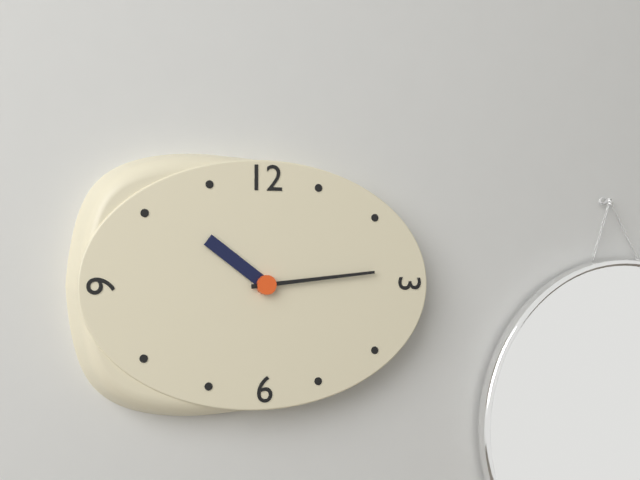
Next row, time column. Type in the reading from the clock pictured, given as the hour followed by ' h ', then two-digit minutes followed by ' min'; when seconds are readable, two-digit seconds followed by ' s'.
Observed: 10 h 14 min
